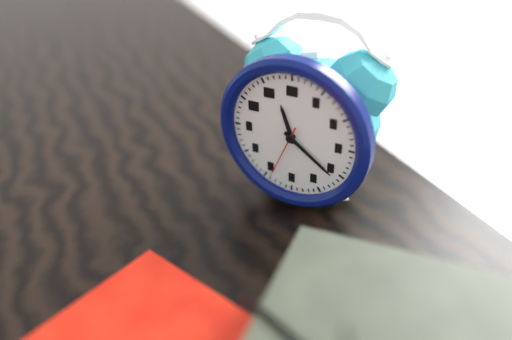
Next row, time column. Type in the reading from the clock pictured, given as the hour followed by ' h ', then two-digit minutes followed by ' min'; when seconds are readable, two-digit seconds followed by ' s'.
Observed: 11 h 21 min 34 s
